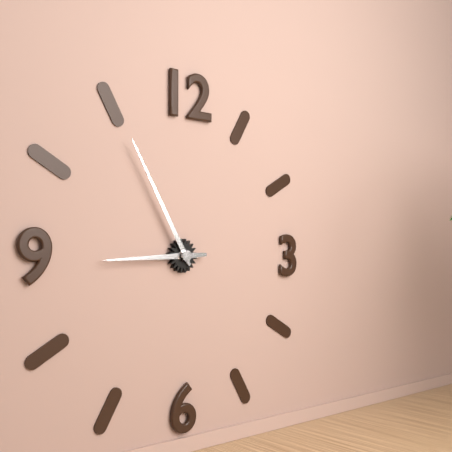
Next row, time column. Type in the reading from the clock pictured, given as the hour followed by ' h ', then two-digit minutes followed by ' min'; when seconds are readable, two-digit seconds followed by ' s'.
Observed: 8 h 55 min
